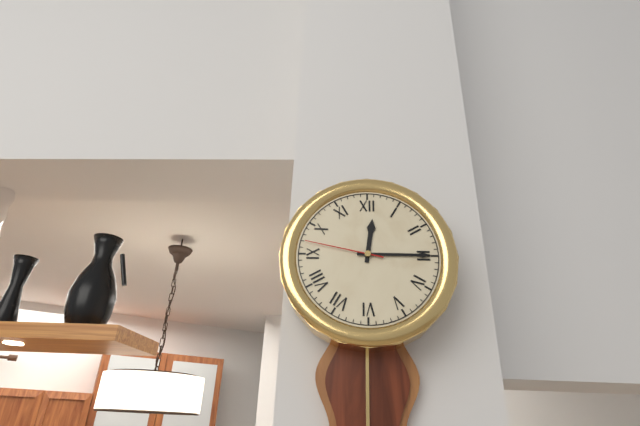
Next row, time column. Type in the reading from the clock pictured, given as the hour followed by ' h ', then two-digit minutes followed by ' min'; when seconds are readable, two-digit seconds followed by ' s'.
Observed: 12 h 15 min 47 s
